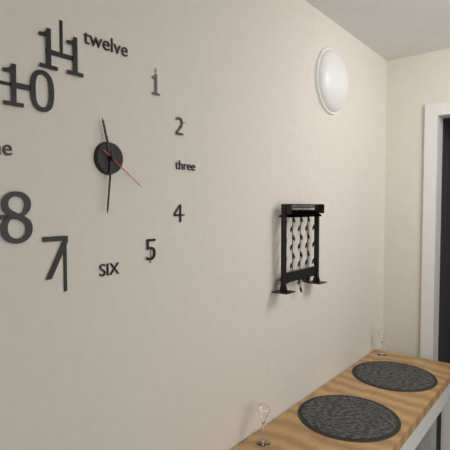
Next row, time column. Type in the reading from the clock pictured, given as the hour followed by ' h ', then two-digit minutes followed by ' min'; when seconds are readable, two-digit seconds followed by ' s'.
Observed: 11 h 31 min 21 s
